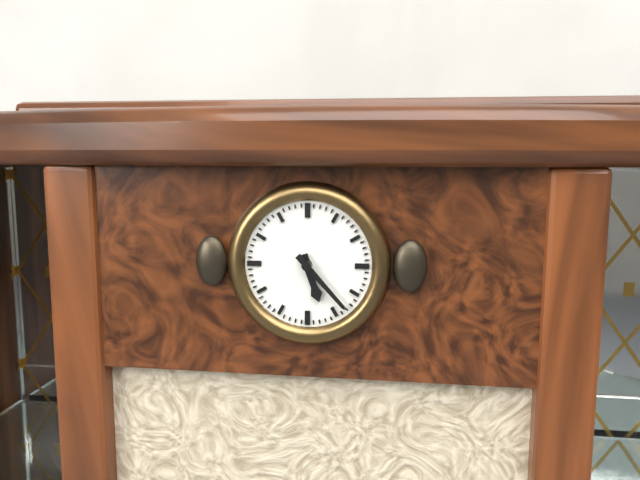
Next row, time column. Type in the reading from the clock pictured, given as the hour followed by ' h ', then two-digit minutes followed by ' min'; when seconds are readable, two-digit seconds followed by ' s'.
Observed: 5 h 23 min
